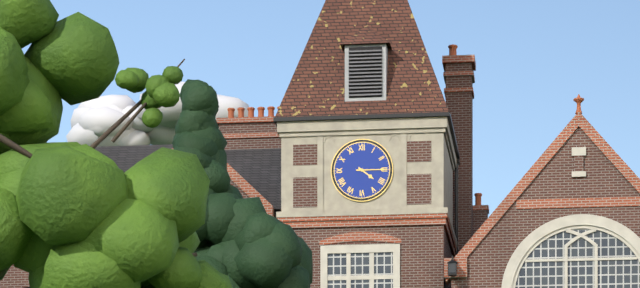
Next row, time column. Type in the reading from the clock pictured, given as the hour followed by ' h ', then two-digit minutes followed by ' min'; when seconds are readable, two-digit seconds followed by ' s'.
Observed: 4 h 15 min
